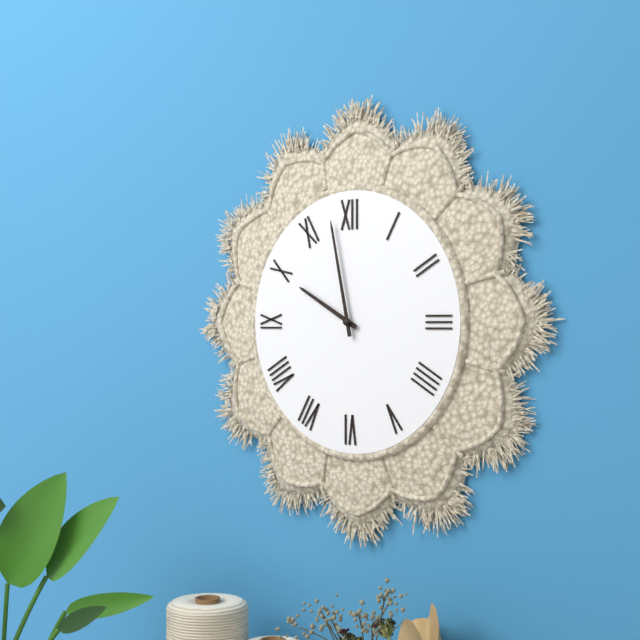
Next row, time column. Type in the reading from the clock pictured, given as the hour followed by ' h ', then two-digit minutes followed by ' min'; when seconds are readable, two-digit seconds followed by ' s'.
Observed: 9 h 58 min
